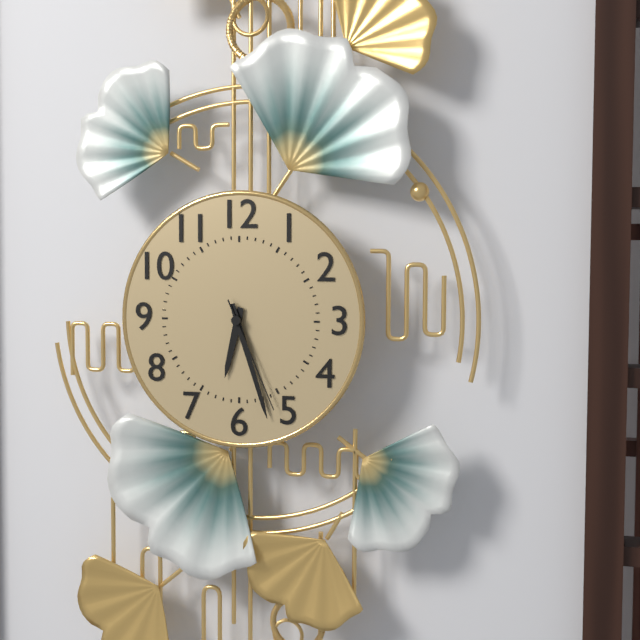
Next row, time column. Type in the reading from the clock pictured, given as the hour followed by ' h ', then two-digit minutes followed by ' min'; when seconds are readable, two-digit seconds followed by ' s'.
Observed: 6 h 27 min 26 s
